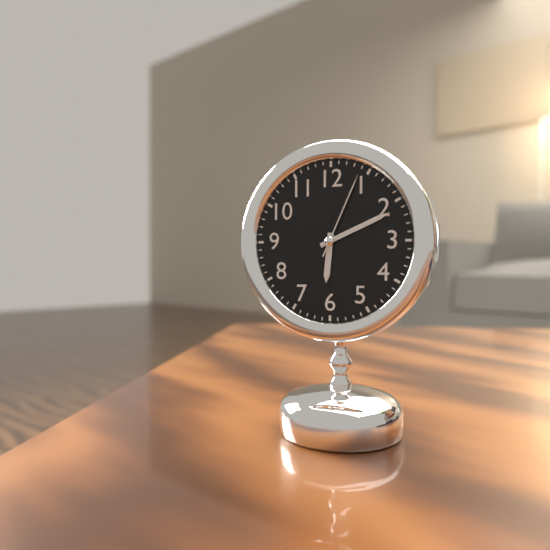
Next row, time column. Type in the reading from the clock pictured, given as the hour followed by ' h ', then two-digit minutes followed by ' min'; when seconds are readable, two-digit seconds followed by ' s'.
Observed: 6 h 11 min 04 s
